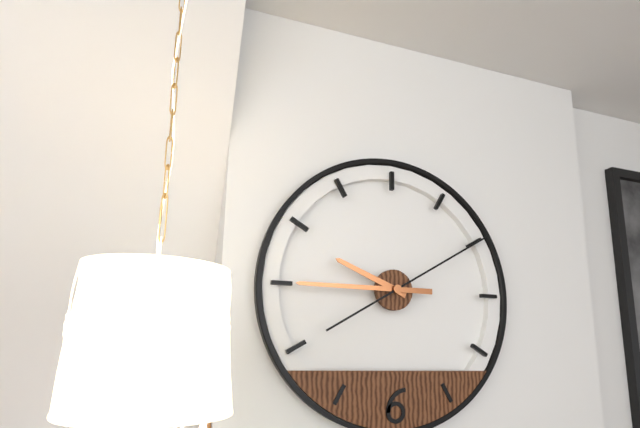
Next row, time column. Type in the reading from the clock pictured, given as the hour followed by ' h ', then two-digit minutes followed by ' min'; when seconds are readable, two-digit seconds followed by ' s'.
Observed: 9 h 45 min 10 s
